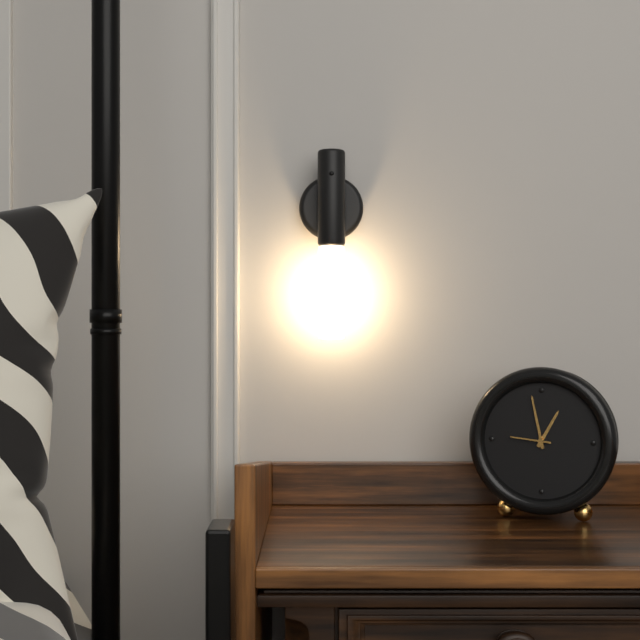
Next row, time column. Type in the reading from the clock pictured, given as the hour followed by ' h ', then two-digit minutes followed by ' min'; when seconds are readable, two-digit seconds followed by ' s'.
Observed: 12 h 58 min
